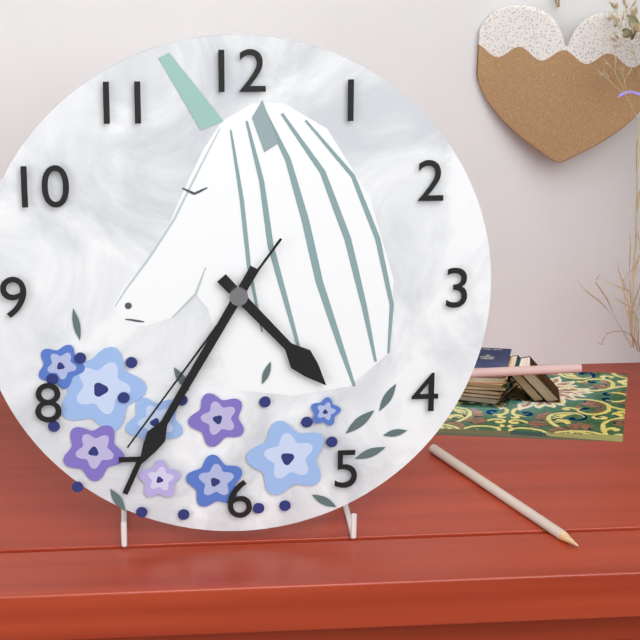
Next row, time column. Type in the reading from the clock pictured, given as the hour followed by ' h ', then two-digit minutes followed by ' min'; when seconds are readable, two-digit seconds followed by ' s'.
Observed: 4 h 35 min 36 s
